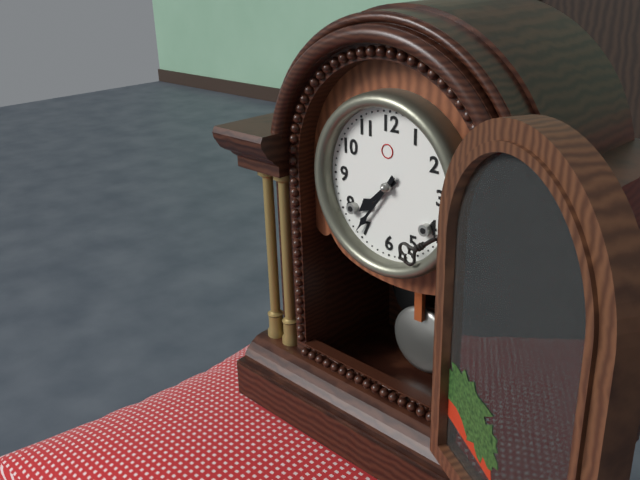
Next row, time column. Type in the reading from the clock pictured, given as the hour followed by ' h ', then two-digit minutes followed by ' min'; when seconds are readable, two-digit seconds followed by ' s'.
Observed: 7 h 36 min
